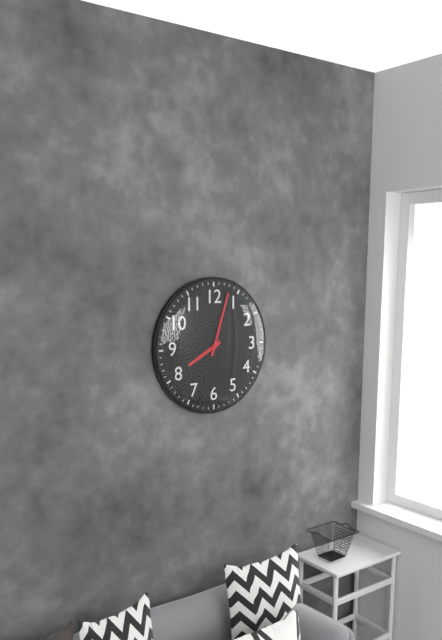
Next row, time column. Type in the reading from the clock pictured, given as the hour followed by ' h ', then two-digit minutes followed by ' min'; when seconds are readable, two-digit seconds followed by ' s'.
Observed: 8 h 03 min
